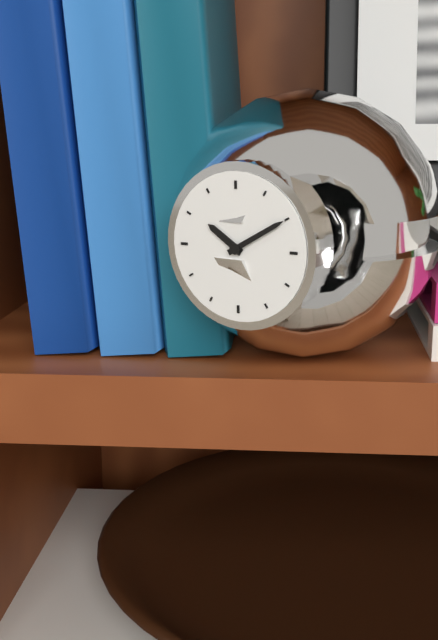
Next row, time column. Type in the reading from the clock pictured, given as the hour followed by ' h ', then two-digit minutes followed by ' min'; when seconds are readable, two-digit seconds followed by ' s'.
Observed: 10 h 10 min
